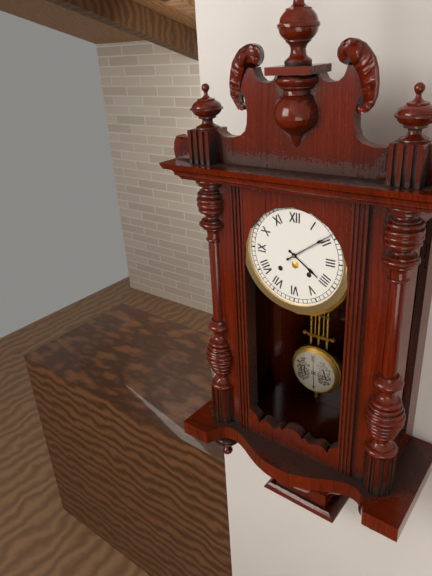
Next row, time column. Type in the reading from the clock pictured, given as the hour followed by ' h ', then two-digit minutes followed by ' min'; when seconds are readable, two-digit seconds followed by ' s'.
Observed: 4 h 09 min
